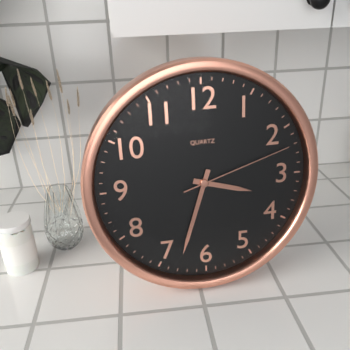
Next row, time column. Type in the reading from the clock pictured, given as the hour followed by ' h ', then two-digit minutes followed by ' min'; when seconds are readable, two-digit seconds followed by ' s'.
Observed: 3 h 33 min 12 s
